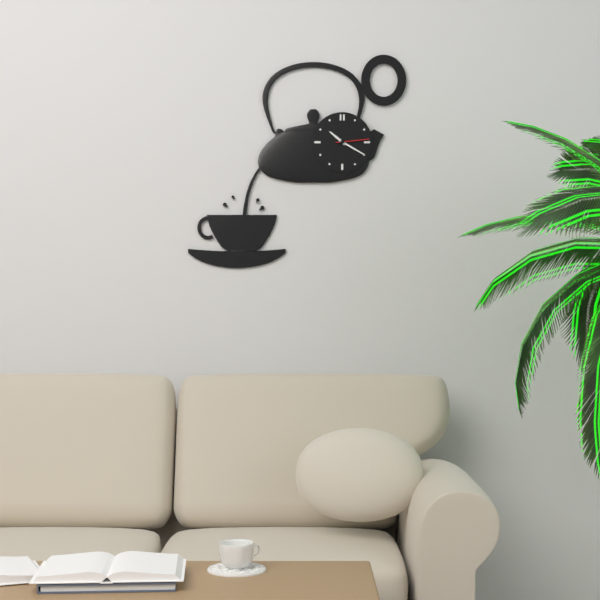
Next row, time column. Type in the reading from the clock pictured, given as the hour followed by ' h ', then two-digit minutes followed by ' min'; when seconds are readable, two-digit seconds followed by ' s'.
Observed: 10 h 20 min
